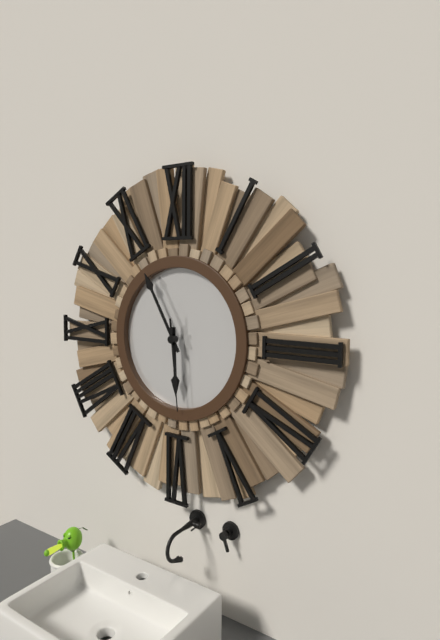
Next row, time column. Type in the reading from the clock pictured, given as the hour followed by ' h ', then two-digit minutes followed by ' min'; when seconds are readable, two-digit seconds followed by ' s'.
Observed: 5 h 55 min 29 s
